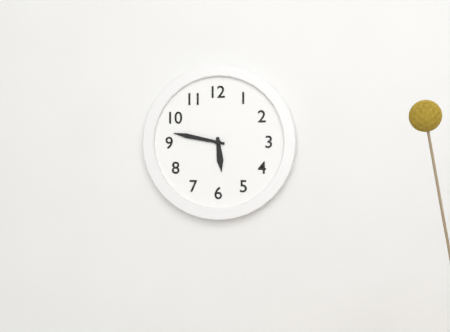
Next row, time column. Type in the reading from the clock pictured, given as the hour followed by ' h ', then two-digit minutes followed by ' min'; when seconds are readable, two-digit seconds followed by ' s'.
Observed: 5 h 47 min
